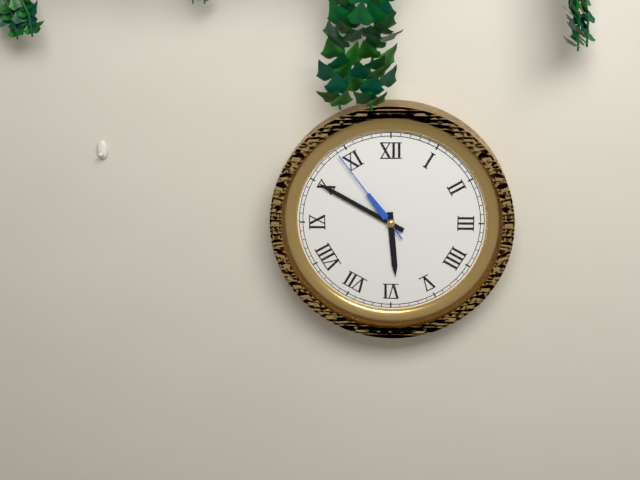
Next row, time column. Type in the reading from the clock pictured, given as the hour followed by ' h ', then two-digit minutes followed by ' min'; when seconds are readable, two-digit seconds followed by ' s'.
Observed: 5 h 50 min 54 s
